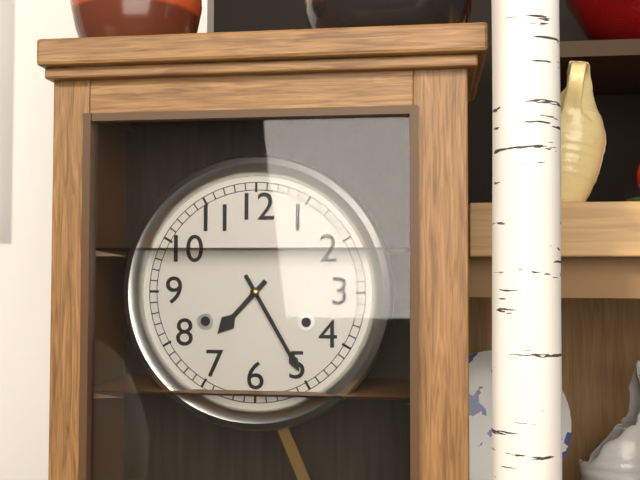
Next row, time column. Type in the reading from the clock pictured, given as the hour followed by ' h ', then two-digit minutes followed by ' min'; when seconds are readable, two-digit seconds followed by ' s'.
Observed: 7 h 25 min
